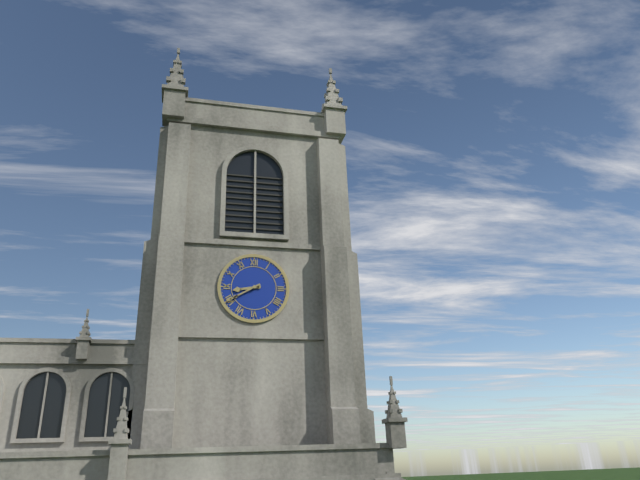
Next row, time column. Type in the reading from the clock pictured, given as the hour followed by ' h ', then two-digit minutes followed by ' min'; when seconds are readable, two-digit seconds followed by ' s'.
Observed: 8 h 40 min
